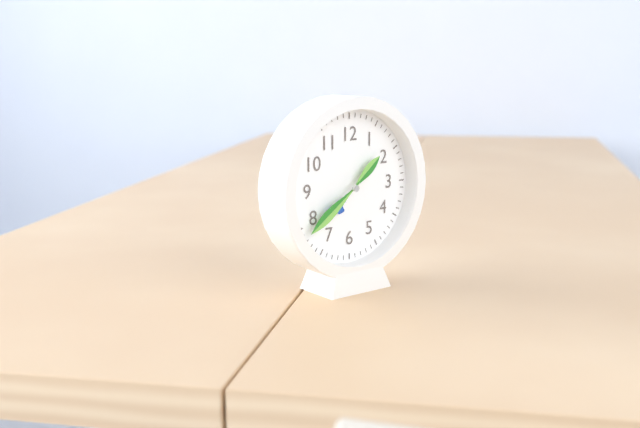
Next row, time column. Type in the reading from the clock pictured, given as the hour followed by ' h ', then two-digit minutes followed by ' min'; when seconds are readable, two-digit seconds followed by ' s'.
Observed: 1 h 39 min
